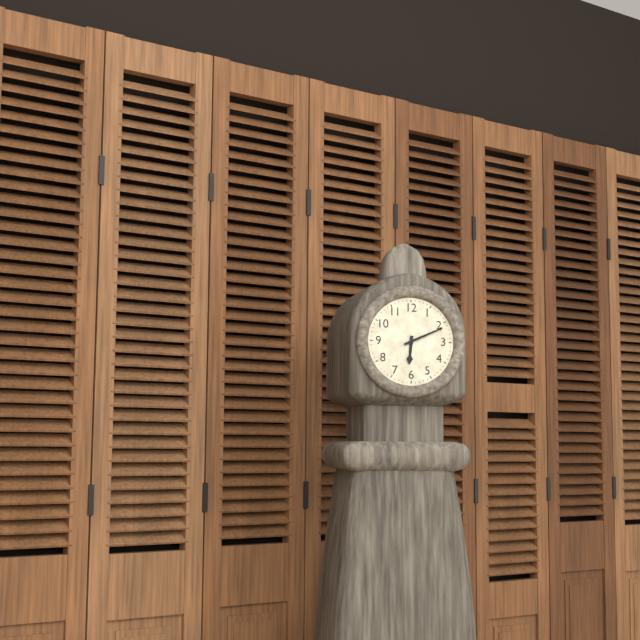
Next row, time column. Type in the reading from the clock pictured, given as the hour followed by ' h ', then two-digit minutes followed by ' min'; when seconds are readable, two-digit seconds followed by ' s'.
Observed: 6 h 11 min
